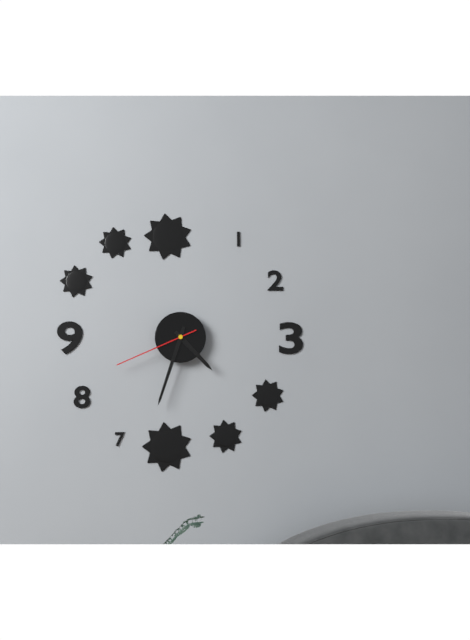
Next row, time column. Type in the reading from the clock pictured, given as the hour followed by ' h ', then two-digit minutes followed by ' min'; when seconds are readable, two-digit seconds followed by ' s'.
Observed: 4 h 33 min 41 s
